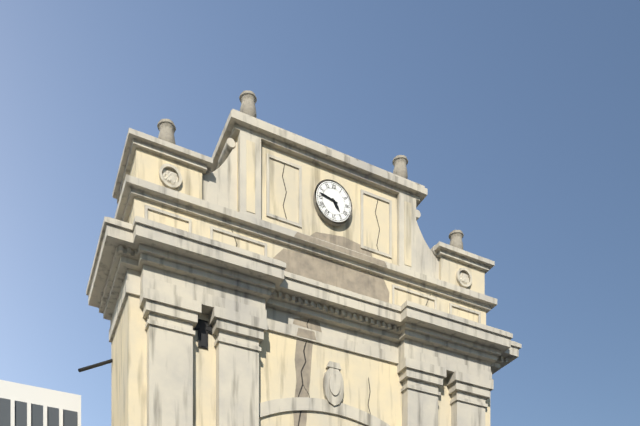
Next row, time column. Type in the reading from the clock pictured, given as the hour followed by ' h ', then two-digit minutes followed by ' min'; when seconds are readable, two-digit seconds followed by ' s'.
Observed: 4 h 47 min
